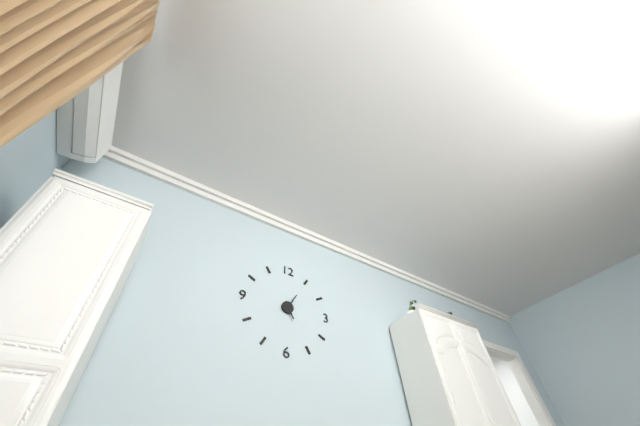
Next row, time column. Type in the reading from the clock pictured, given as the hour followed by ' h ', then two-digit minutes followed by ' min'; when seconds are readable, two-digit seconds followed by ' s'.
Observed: 5 h 05 min
